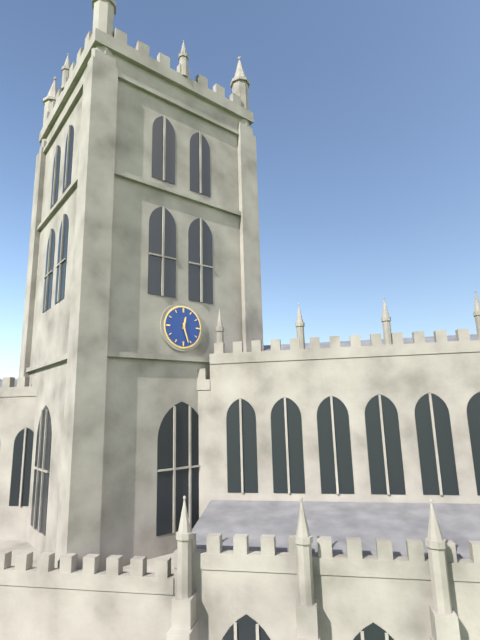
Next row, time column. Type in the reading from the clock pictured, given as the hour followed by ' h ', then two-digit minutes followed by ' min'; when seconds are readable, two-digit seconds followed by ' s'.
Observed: 12 h 27 min
